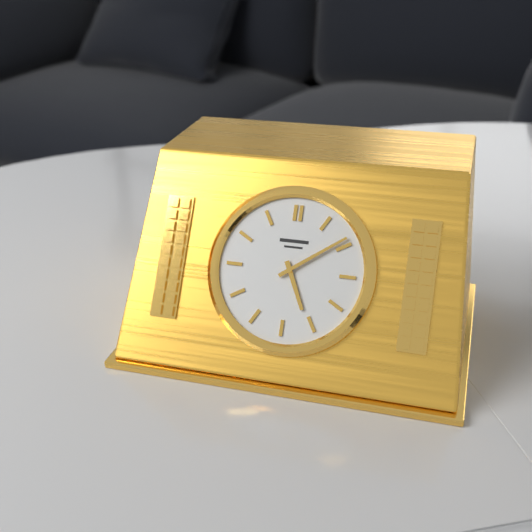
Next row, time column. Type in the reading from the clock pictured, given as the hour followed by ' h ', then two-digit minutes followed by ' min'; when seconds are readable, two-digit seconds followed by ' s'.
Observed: 5 h 09 min
